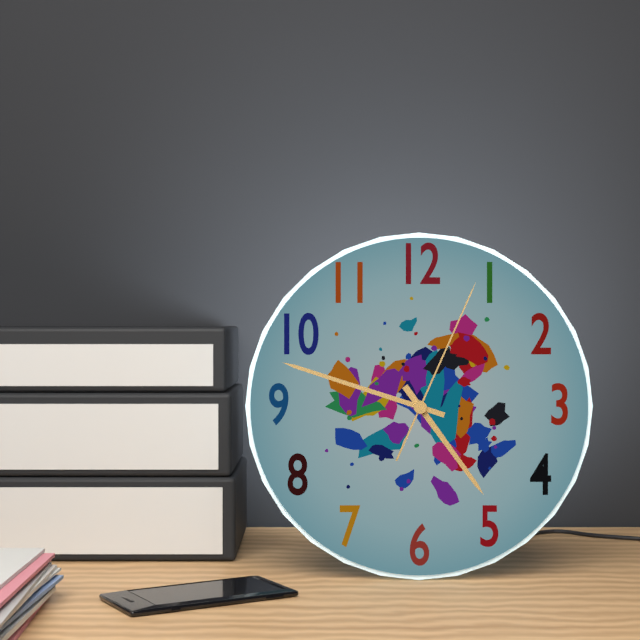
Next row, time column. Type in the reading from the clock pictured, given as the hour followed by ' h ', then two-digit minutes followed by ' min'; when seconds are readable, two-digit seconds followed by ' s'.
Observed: 4 h 48 min 04 s
